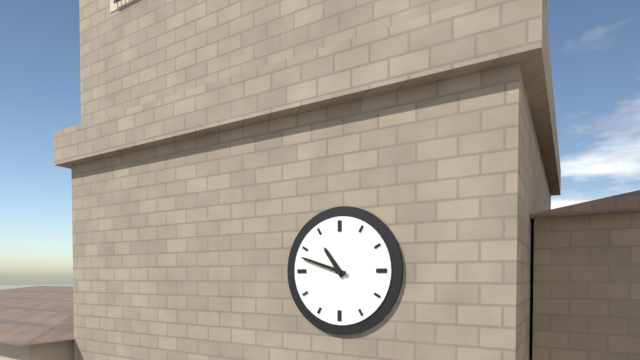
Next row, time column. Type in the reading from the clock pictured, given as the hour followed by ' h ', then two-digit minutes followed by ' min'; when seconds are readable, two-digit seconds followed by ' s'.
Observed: 10 h 48 min
